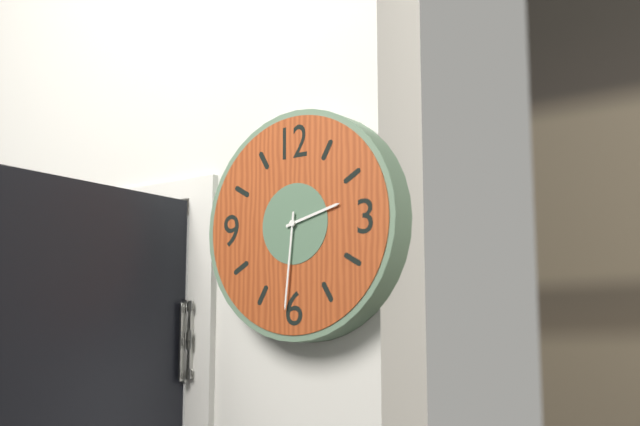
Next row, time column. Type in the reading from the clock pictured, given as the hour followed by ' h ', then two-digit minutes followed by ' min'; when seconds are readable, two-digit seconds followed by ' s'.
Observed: 2 h 31 min
